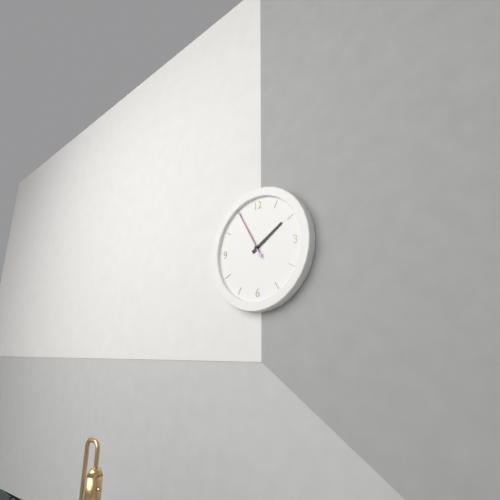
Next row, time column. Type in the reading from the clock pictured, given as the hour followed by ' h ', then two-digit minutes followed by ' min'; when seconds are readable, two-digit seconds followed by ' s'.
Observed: 1 h 55 min 55 s
